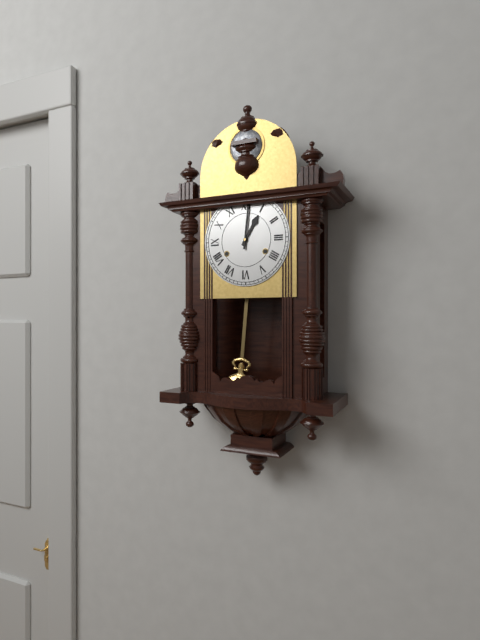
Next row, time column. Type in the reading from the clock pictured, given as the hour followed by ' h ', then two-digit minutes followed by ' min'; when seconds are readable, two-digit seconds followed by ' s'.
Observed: 1 h 01 min
